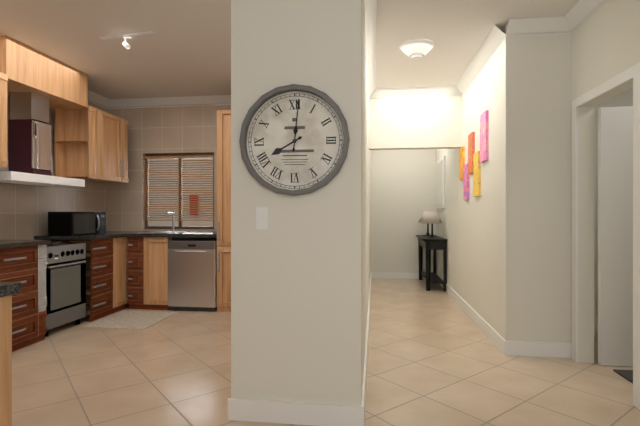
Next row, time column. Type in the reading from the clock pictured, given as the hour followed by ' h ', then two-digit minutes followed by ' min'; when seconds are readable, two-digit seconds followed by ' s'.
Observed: 8 h 01 min
